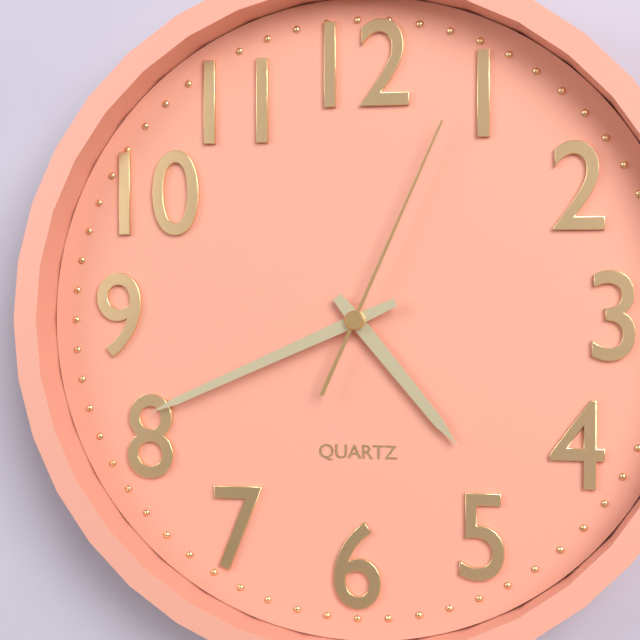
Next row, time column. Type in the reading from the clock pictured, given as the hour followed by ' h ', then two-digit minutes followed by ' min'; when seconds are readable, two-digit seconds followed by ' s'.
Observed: 4 h 41 min 04 s
